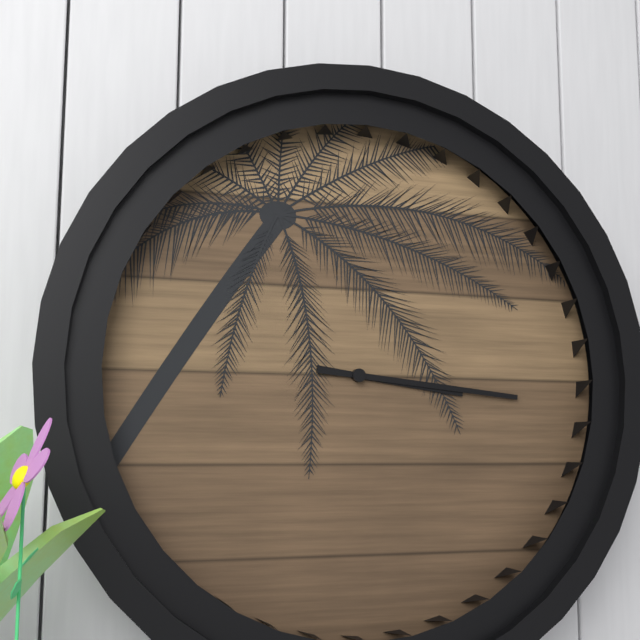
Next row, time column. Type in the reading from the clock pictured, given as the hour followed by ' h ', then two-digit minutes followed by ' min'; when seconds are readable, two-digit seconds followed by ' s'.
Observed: 3 h 16 min
